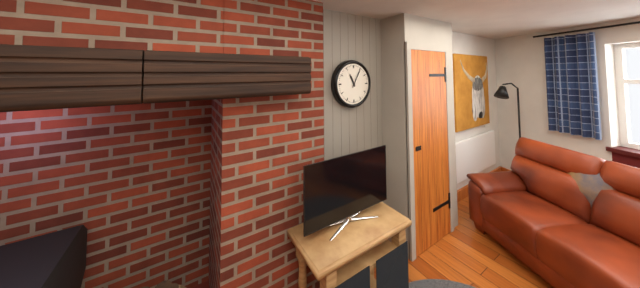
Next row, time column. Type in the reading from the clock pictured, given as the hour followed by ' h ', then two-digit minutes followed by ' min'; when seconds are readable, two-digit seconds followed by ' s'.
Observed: 11 h 05 min
